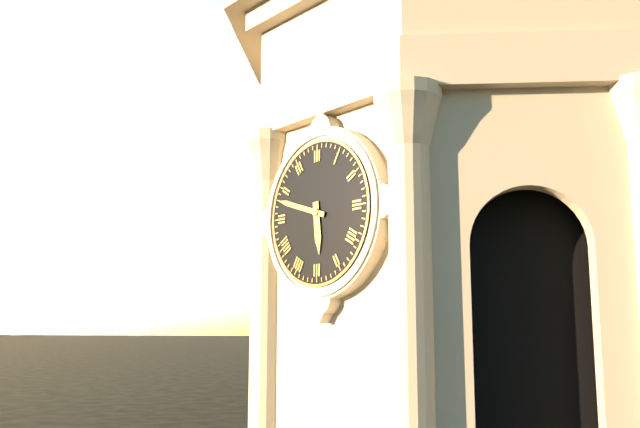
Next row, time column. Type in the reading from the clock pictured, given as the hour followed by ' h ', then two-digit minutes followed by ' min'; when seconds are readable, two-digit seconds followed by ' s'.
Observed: 5 h 48 min
